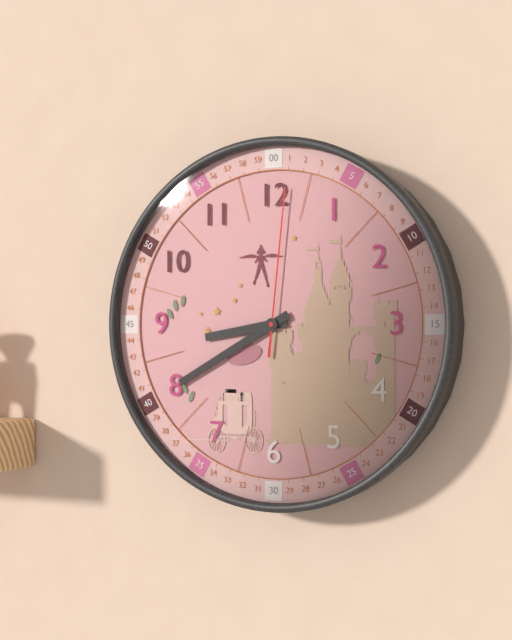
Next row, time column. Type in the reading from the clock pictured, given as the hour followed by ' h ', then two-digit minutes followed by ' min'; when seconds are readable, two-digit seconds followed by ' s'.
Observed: 8 h 40 min 01 s
